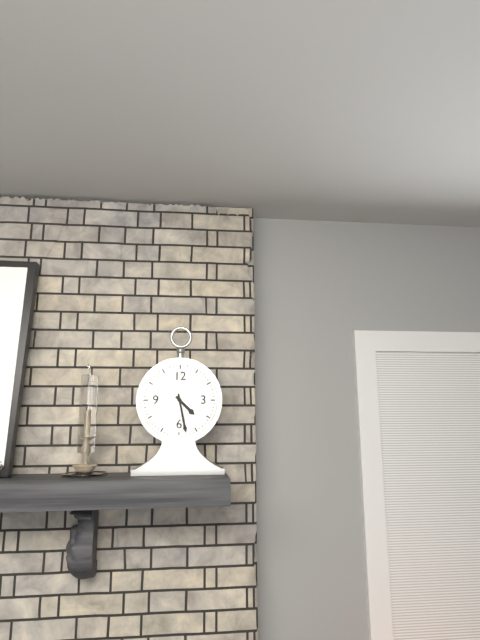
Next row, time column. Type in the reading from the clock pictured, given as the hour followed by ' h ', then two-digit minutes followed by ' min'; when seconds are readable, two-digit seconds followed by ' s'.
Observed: 4 h 28 min
